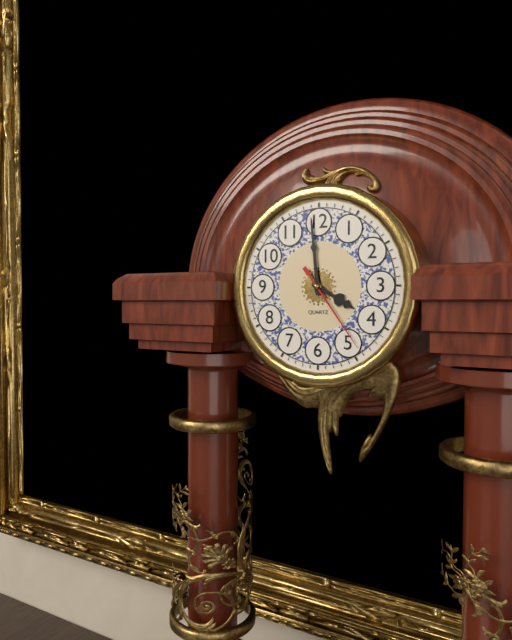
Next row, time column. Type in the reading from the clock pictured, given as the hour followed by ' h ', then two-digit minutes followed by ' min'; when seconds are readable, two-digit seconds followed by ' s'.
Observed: 3 h 59 min 24 s
